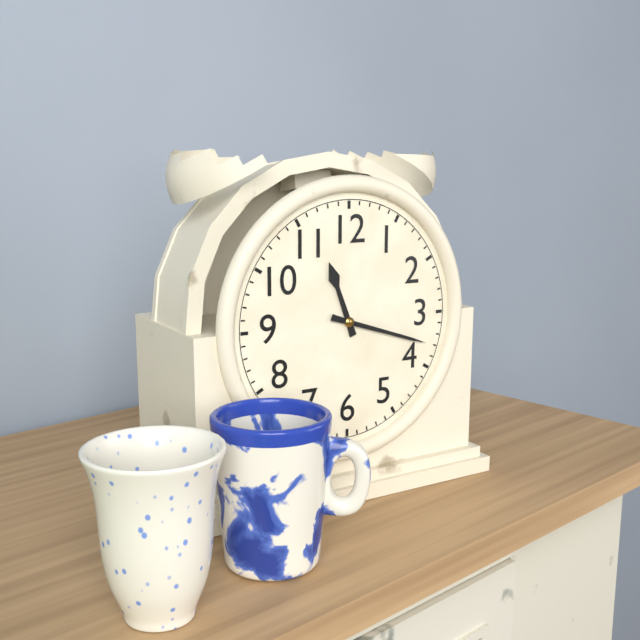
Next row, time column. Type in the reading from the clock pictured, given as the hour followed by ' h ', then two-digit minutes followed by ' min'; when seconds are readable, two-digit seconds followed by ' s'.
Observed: 11 h 18 min
